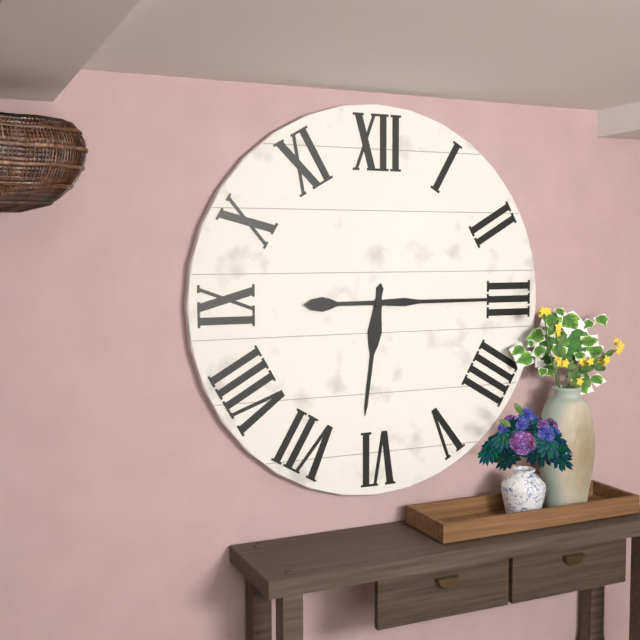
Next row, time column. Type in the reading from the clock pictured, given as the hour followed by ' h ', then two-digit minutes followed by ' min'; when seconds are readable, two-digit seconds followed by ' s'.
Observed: 6 h 15 min
